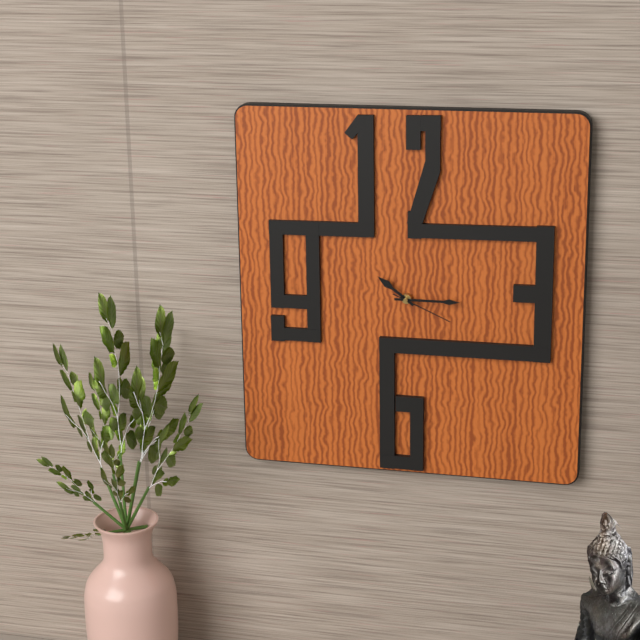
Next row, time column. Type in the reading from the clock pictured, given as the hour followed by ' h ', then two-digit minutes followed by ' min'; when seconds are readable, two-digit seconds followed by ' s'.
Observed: 10 h 15 min 19 s
